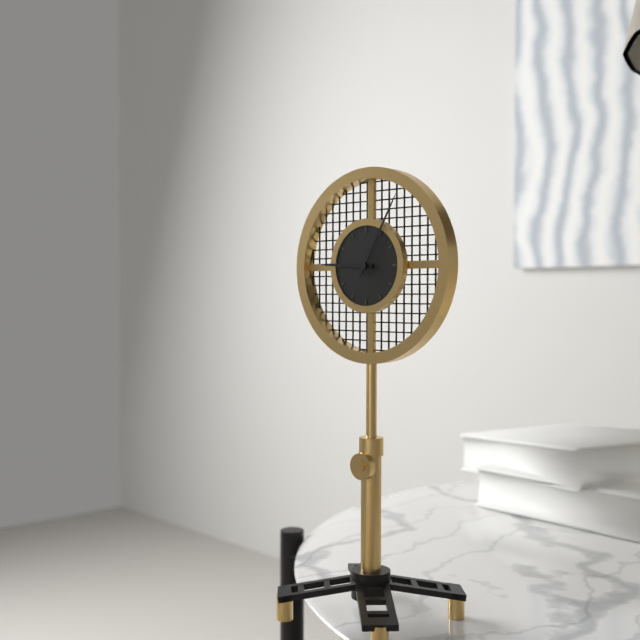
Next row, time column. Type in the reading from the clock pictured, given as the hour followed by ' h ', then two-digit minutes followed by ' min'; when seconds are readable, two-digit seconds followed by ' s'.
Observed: 9 h 05 min
